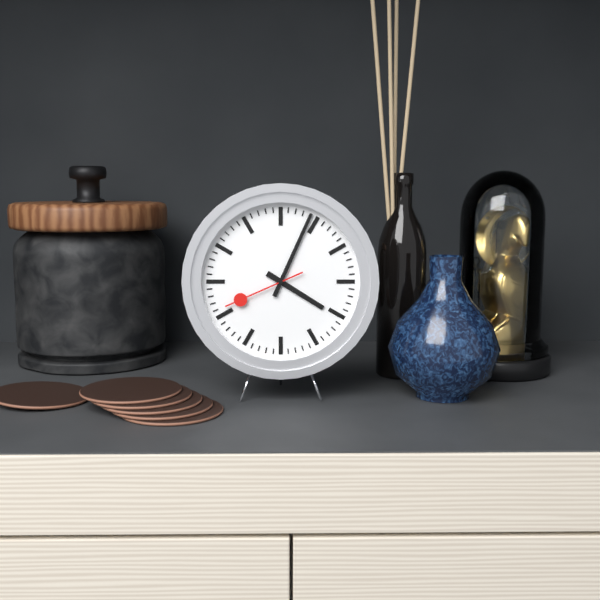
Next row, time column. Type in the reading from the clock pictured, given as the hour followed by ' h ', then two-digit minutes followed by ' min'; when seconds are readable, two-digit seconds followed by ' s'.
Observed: 4 h 04 min 41 s
